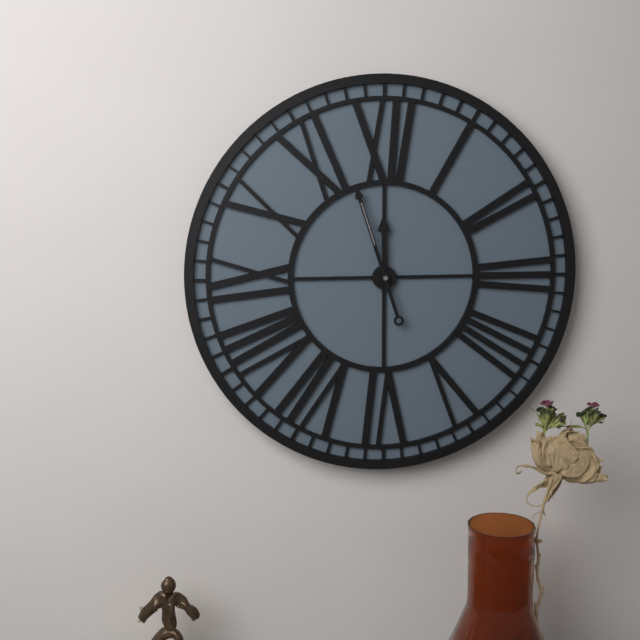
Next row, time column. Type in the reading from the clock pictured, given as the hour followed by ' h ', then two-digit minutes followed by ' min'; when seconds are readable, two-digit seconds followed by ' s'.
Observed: 11 h 57 min
